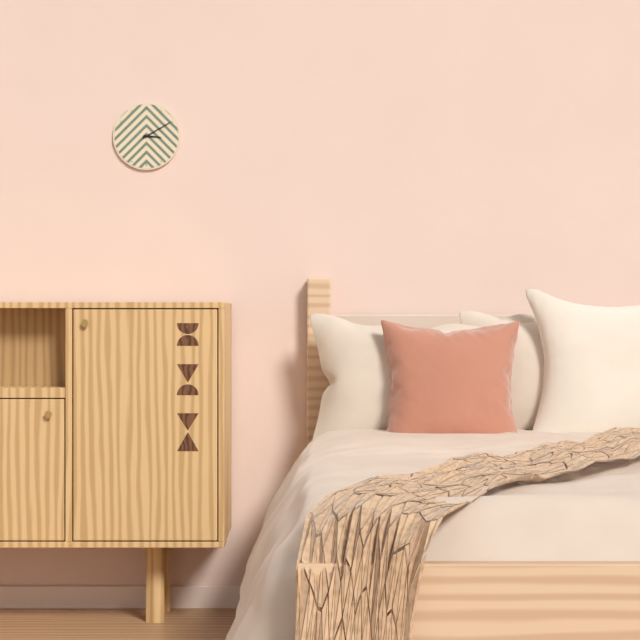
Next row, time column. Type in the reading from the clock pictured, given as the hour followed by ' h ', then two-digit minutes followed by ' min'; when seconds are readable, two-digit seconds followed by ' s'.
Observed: 3 h 10 min
